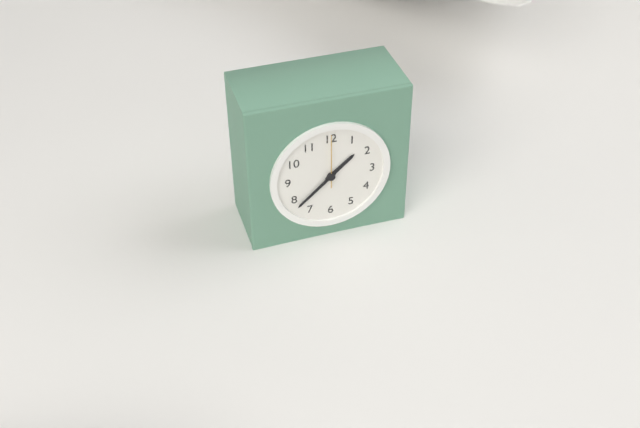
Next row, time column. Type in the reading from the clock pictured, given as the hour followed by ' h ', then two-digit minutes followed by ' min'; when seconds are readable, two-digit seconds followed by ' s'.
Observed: 1 h 38 min 00 s
